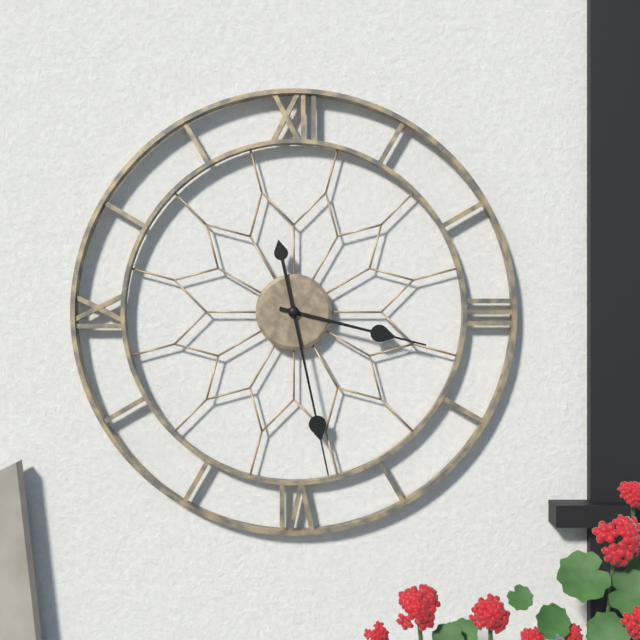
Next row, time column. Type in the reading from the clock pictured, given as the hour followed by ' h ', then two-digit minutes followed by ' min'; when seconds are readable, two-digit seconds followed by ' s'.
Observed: 3 h 28 min
